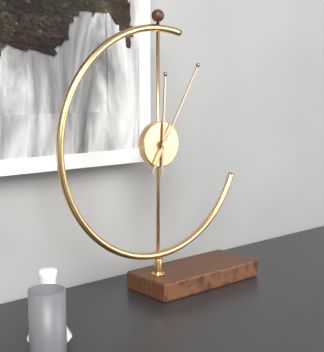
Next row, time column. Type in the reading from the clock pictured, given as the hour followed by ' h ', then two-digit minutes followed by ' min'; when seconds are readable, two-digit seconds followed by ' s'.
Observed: 12 h 05 min
